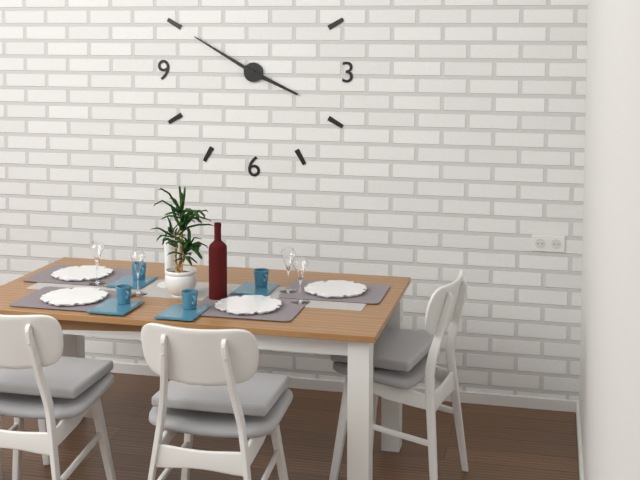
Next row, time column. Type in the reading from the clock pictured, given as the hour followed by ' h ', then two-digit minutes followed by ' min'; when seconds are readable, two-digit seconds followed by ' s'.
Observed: 3 h 50 min
